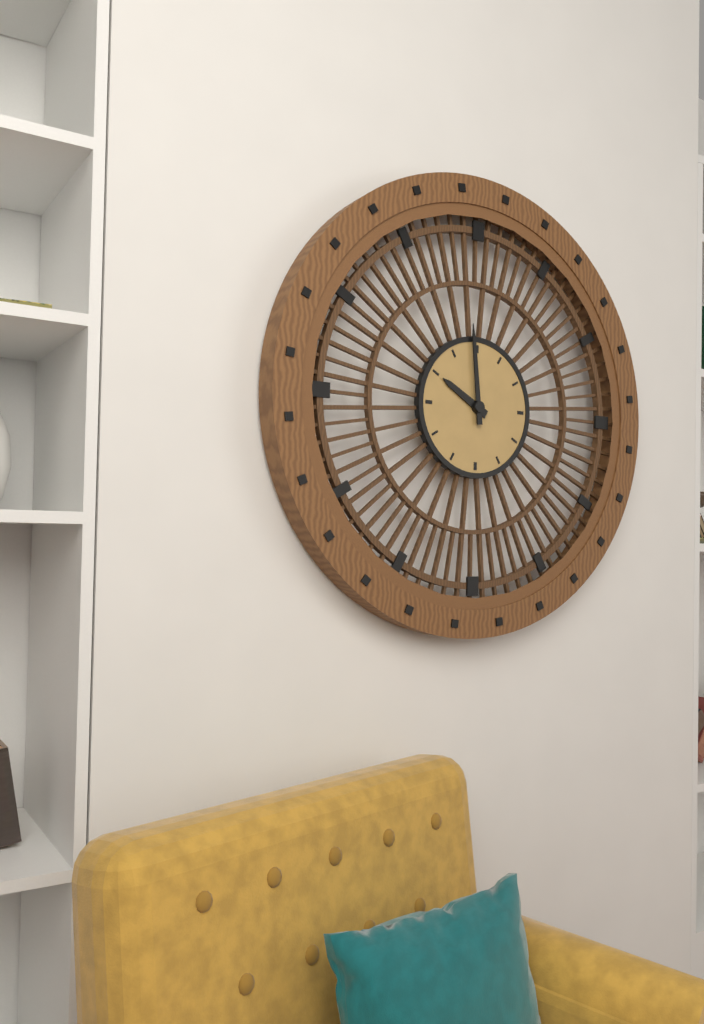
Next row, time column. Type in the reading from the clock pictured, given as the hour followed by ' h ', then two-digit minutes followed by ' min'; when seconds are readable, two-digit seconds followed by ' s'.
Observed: 9 h 59 min
